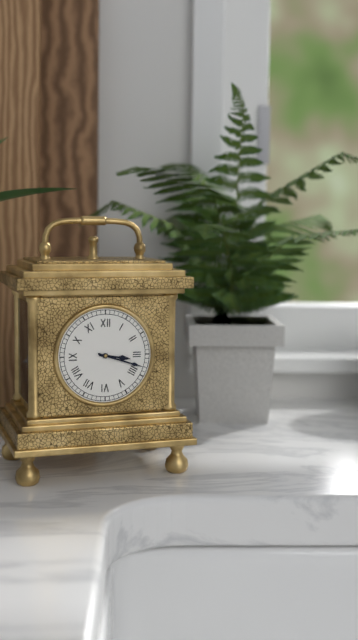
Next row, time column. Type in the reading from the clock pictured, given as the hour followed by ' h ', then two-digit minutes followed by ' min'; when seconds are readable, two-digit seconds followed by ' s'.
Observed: 3 h 18 min
